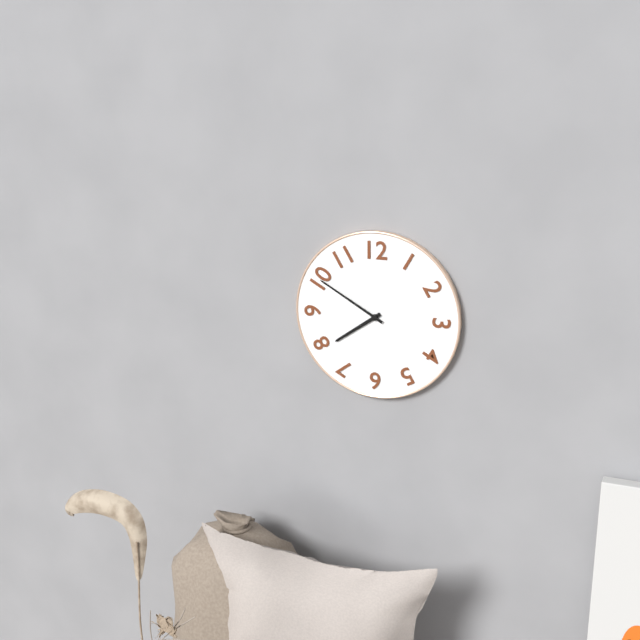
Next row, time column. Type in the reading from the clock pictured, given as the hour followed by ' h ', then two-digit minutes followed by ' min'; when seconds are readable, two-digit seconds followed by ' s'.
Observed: 7 h 50 min
